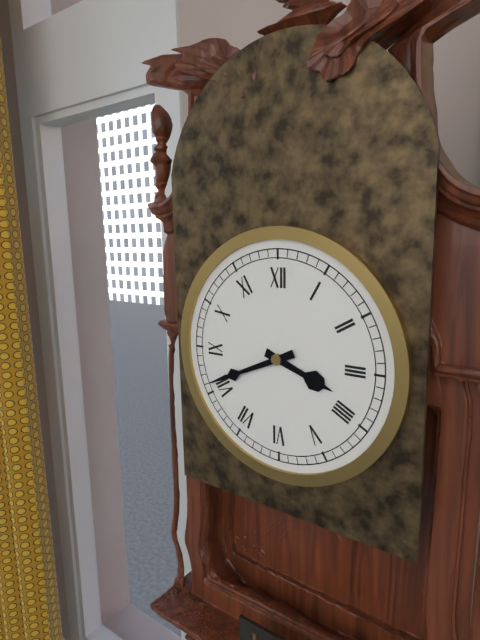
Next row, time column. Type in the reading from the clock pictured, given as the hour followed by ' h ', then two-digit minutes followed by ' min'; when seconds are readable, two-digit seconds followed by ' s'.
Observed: 3 h 41 min
